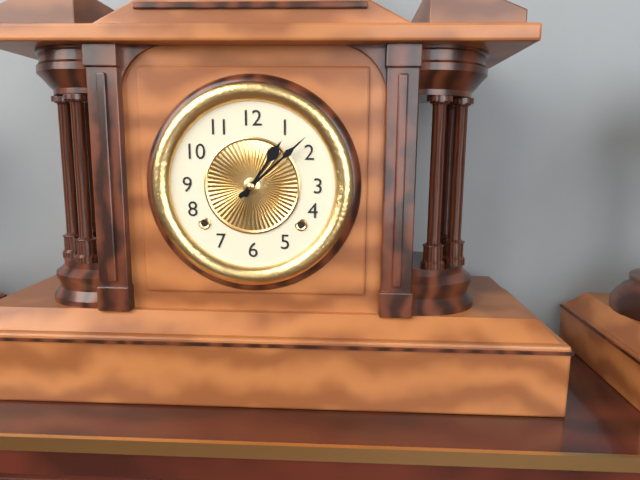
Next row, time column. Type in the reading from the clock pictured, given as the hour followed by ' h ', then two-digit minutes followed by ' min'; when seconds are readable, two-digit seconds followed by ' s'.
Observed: 1 h 08 min
